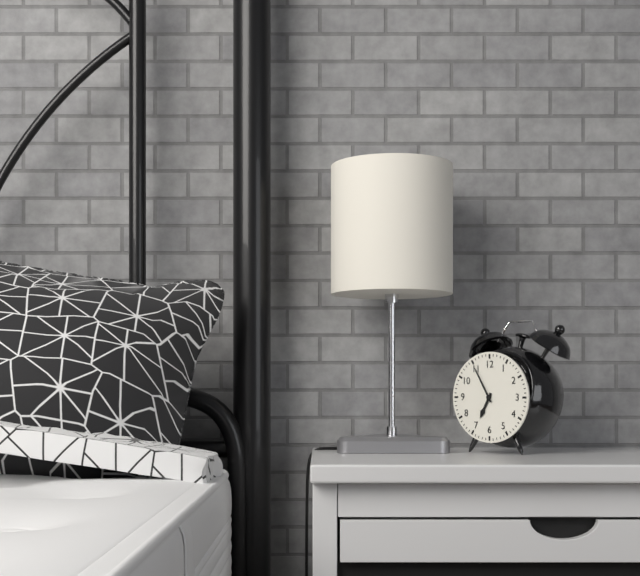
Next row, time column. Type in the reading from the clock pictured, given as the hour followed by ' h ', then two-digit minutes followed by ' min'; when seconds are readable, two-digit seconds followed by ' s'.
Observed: 6 h 55 min
